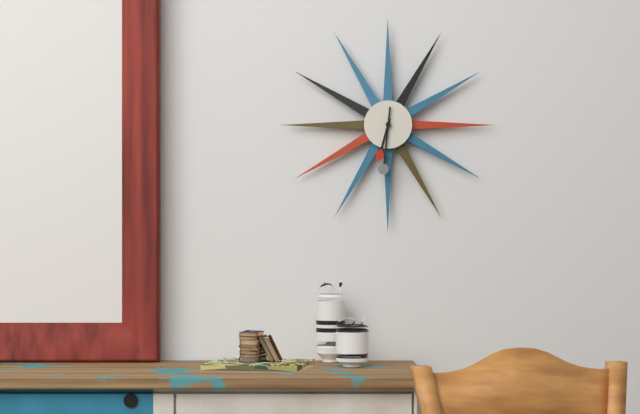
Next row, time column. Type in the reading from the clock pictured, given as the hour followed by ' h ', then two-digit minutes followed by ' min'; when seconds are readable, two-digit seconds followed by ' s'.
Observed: 6 h 31 min
